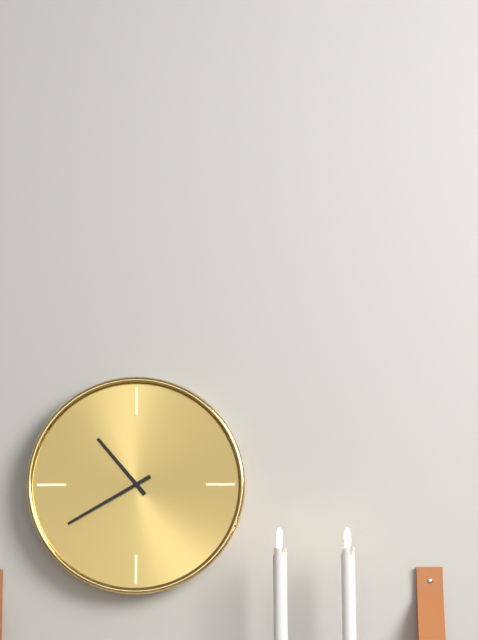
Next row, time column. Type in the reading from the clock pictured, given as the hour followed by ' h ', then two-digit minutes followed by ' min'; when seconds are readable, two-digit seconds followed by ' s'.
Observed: 10 h 40 min
